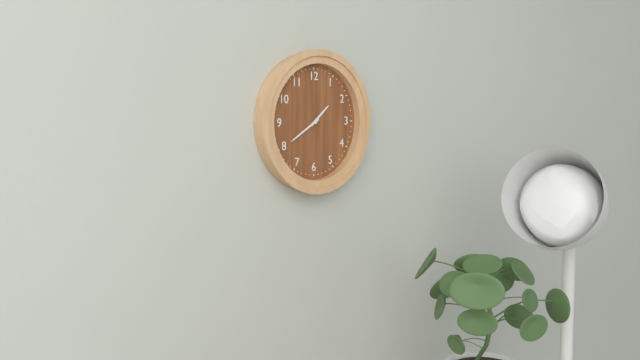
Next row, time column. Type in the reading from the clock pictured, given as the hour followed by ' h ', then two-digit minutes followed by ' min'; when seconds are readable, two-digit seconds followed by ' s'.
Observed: 1 h 40 min
